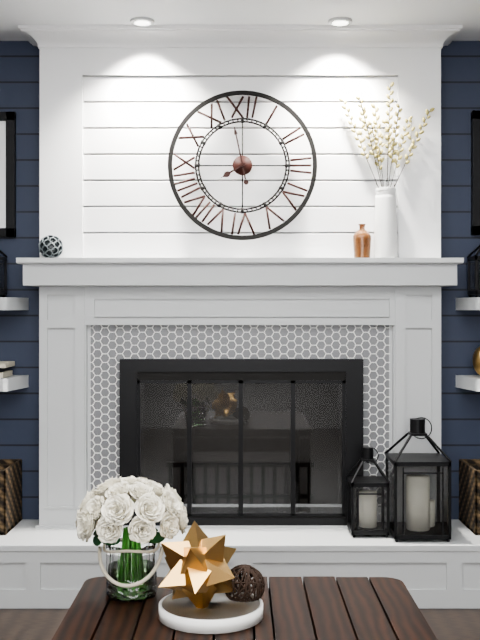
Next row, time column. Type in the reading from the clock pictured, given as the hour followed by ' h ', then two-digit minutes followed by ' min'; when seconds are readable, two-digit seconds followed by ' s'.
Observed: 7 h 58 min
